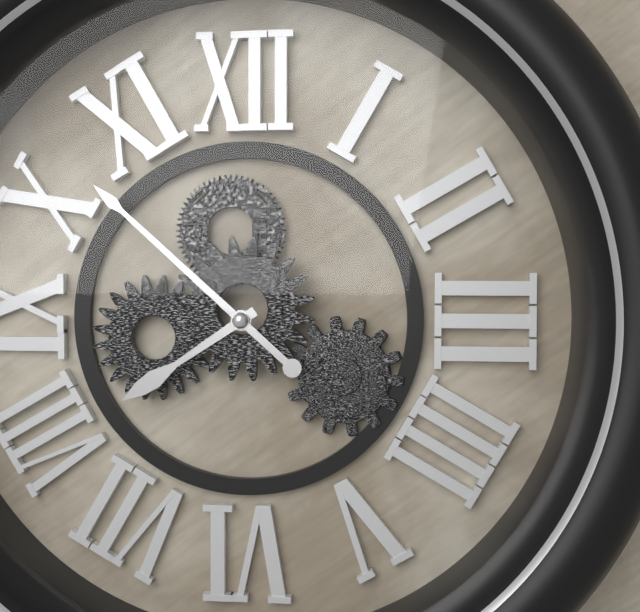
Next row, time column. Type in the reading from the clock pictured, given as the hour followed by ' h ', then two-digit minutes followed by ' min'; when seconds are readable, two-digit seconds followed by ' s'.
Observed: 7 h 52 min
